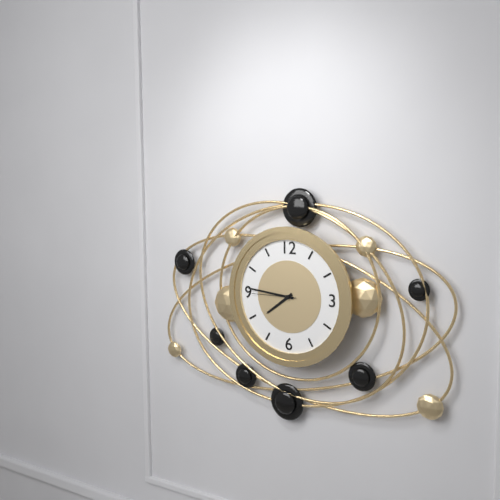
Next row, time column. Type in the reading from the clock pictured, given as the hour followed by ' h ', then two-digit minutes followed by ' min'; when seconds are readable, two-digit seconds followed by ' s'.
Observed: 7 h 46 min
